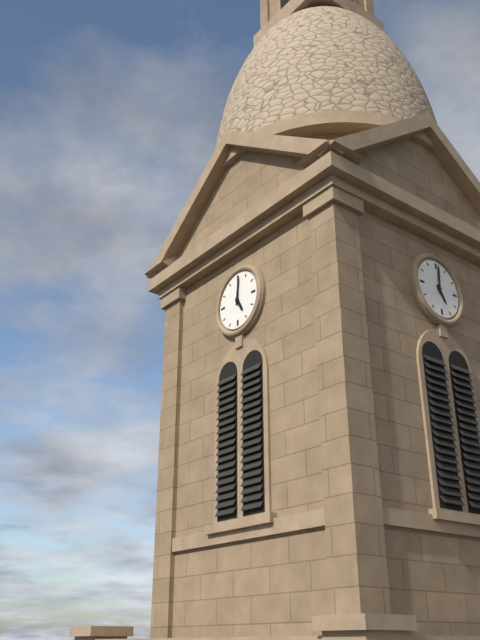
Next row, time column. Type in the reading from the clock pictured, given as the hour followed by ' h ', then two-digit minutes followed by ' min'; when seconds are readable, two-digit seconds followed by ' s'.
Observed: 5 h 01 min
